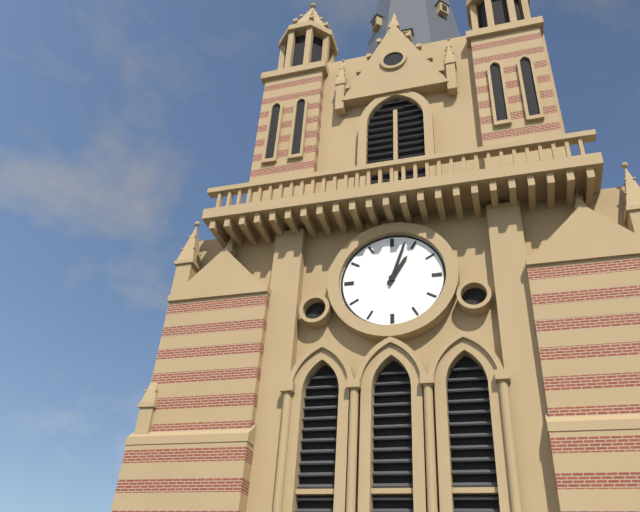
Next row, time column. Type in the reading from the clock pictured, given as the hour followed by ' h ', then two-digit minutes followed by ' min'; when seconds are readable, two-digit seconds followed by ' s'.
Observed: 1 h 03 min
